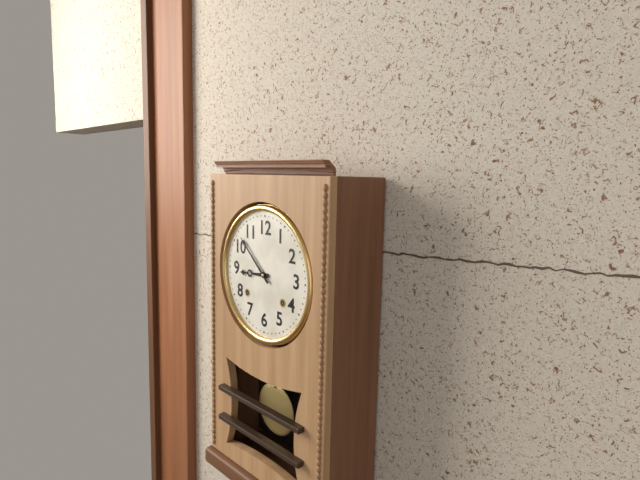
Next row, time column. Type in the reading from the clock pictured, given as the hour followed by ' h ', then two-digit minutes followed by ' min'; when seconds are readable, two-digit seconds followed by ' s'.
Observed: 8 h 52 min
